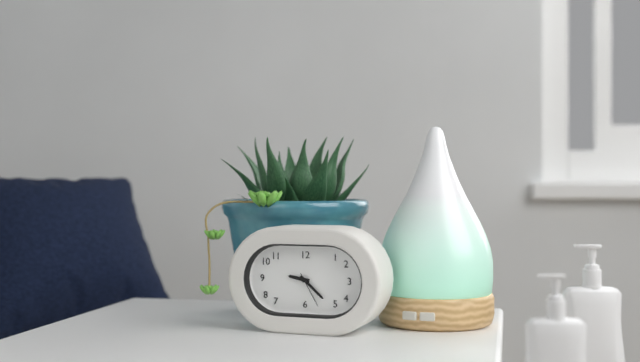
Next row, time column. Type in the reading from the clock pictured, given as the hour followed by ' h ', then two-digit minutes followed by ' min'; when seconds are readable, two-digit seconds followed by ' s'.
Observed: 9 h 22 min
